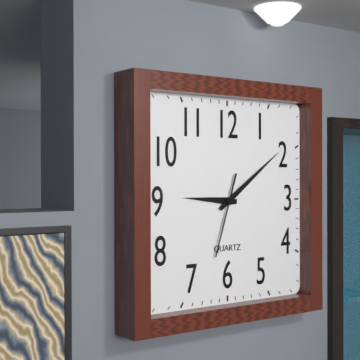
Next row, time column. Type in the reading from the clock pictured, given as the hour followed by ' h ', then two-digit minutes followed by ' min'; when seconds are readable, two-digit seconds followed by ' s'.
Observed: 9 h 09 min 33 s
